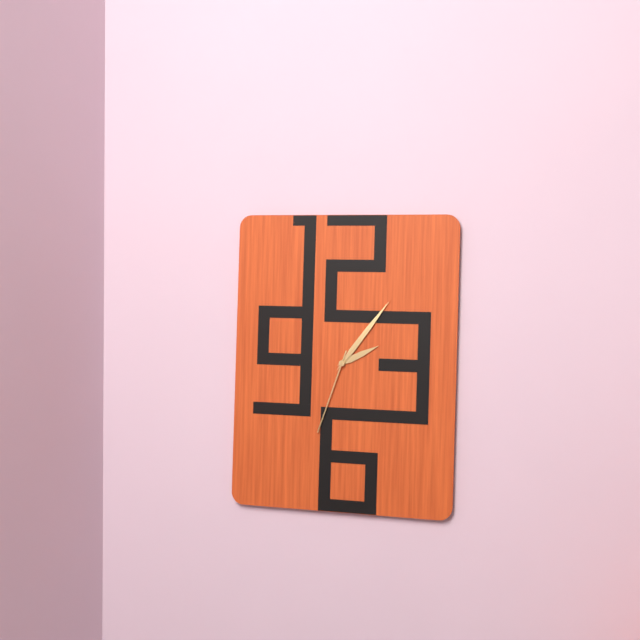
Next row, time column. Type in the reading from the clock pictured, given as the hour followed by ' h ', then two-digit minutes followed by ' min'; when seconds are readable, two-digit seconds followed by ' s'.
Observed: 2 h 06 min 33 s
